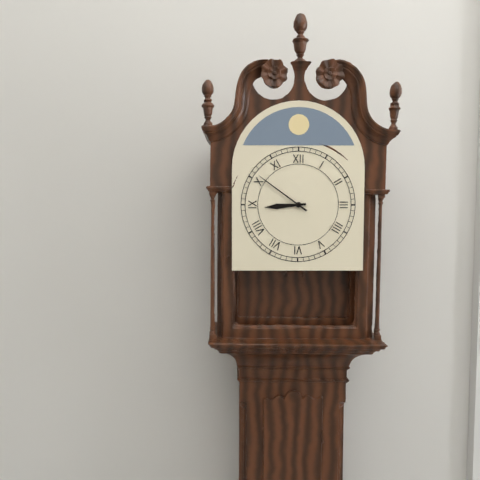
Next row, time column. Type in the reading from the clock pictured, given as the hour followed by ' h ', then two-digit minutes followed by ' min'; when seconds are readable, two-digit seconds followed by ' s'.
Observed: 8 h 51 min
